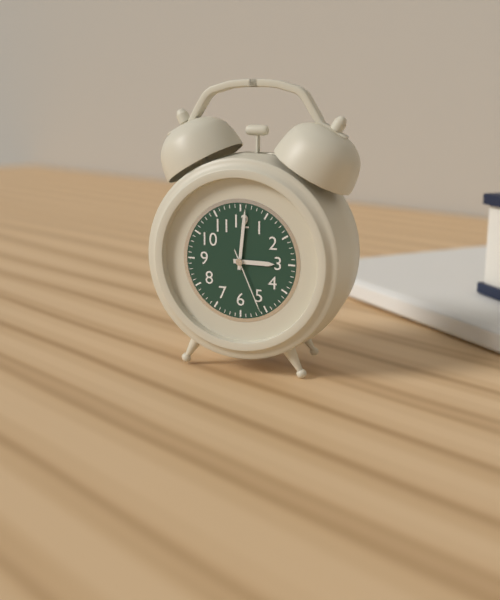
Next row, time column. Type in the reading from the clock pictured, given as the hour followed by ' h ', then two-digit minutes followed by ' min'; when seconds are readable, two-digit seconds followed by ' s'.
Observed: 3 h 01 min 26 s
